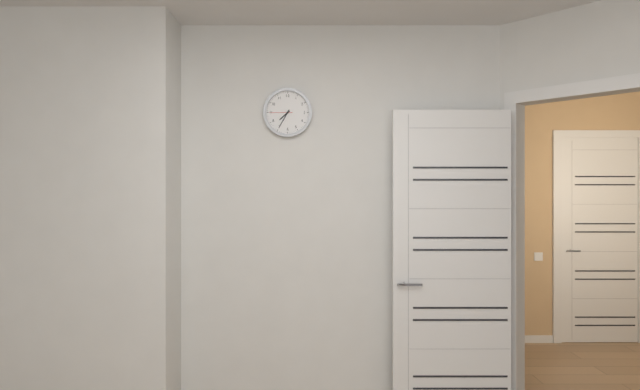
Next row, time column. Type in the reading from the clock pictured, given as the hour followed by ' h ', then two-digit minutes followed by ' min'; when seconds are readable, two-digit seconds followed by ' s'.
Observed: 7 h 35 min
